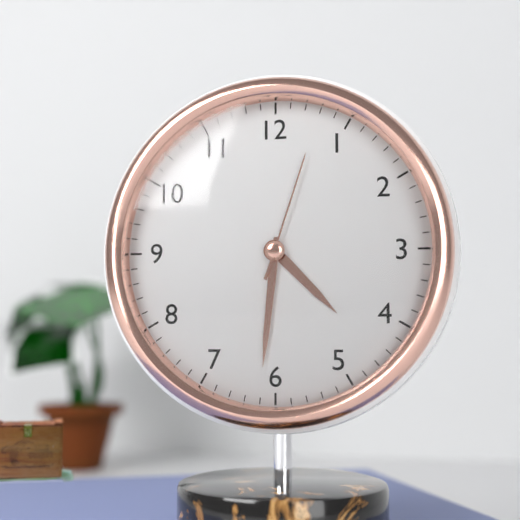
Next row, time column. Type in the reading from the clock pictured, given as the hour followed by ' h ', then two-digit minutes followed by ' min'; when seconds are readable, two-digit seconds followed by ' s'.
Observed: 4 h 31 min 03 s
